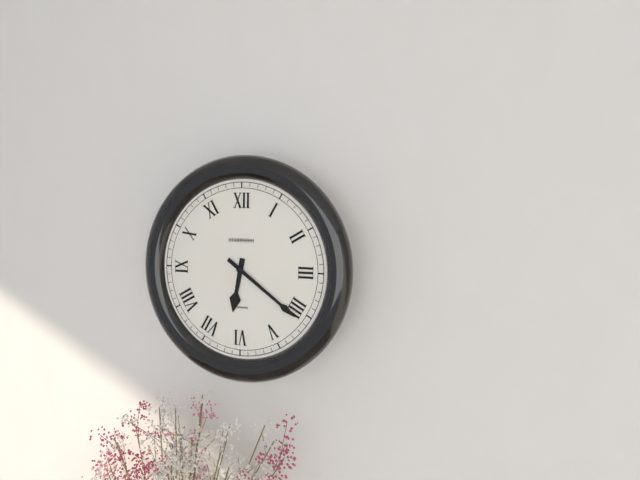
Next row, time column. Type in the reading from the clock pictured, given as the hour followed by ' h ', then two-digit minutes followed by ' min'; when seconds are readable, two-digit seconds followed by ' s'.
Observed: 6 h 21 min
